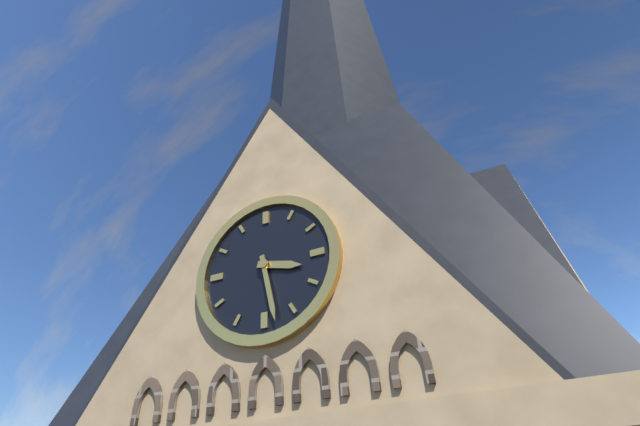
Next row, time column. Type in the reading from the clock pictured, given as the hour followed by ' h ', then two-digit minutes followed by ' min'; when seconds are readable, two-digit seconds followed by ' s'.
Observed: 3 h 28 min
